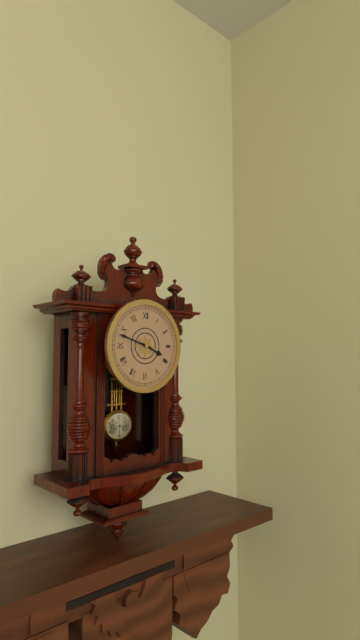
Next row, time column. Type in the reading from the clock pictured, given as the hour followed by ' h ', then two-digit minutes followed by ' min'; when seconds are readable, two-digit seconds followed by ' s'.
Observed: 3 h 48 min
